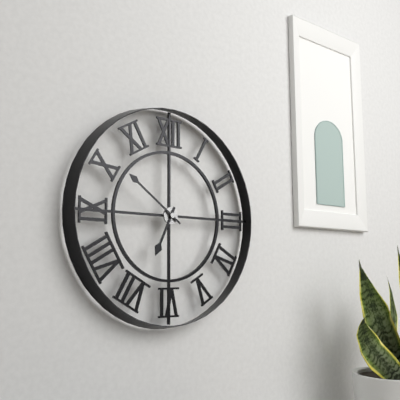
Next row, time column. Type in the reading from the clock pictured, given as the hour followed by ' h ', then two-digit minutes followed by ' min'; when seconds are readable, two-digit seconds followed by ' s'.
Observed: 6 h 51 min
